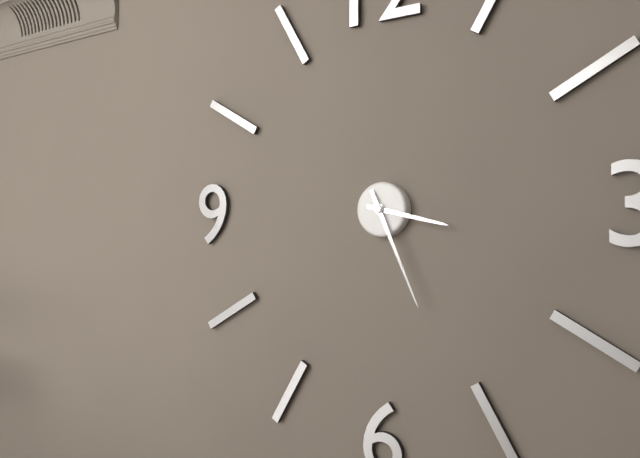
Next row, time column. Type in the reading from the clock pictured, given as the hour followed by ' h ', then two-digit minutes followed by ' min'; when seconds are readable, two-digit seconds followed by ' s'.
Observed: 3 h 26 min
